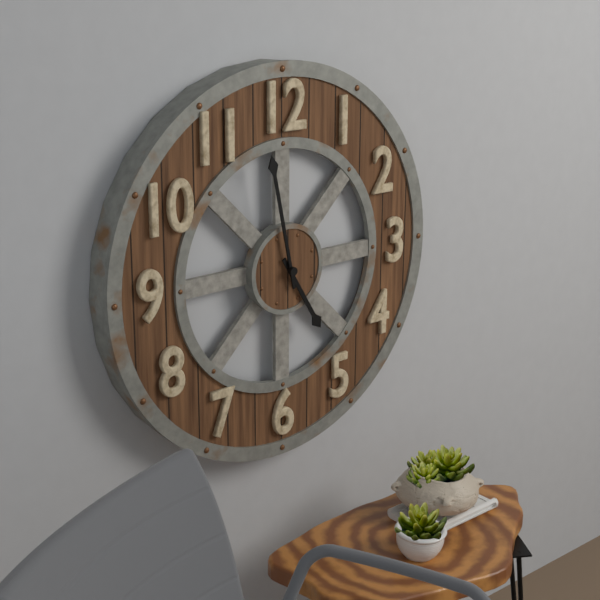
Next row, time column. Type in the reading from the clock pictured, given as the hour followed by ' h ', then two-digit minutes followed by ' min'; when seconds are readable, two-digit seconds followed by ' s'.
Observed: 4 h 58 min
